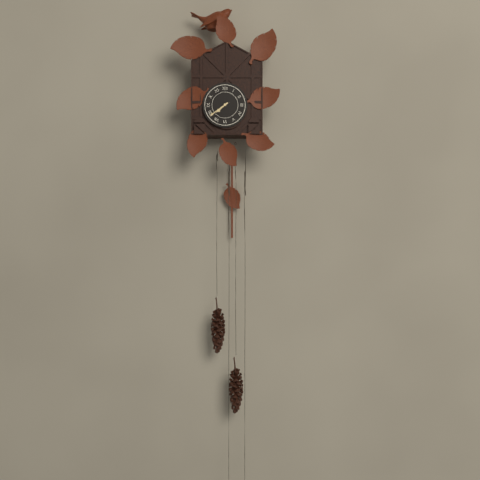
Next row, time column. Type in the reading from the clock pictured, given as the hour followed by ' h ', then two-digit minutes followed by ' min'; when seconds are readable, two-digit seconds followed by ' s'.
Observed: 7 h 39 min
